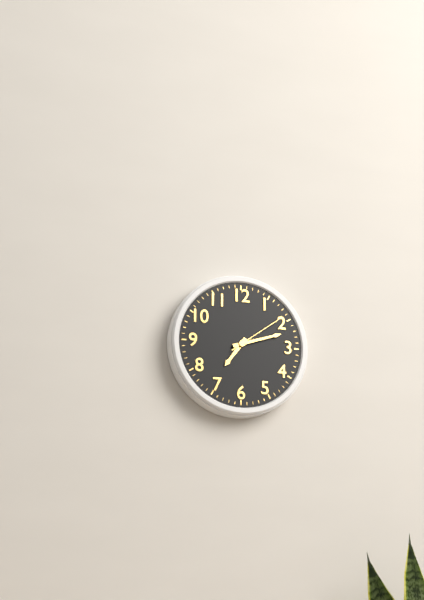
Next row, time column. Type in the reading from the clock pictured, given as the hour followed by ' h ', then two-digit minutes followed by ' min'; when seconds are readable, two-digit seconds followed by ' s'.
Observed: 7 h 12 min 09 s
